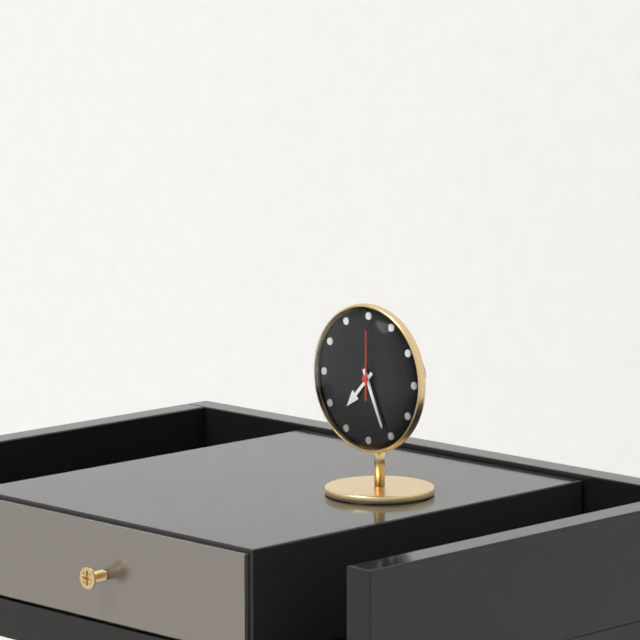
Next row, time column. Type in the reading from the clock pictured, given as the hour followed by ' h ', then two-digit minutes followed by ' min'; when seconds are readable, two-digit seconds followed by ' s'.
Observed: 7 h 26 min 00 s
